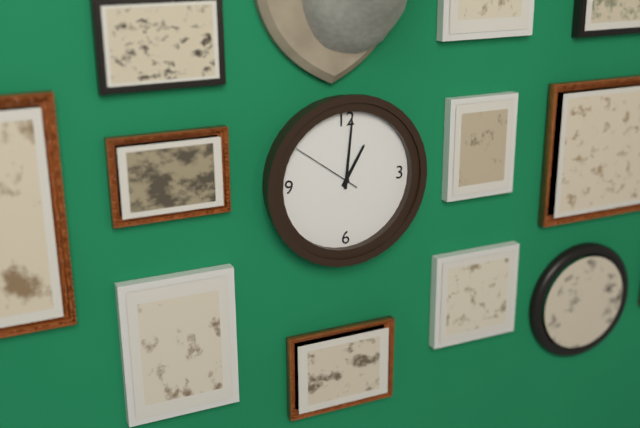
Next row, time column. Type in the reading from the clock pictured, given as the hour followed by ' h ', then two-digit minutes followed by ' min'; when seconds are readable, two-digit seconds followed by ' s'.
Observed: 1 h 01 min 51 s
